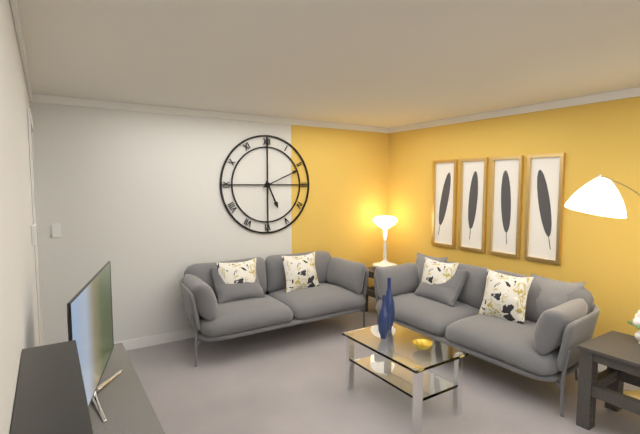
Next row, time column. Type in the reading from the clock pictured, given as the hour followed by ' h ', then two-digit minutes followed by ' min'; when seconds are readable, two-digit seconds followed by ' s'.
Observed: 5 h 11 min
